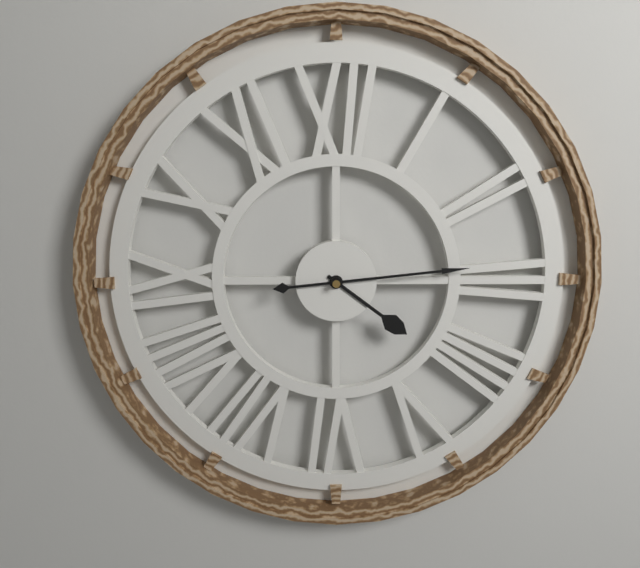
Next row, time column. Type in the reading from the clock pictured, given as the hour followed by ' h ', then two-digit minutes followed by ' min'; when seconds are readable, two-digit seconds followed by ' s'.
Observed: 4 h 14 min
